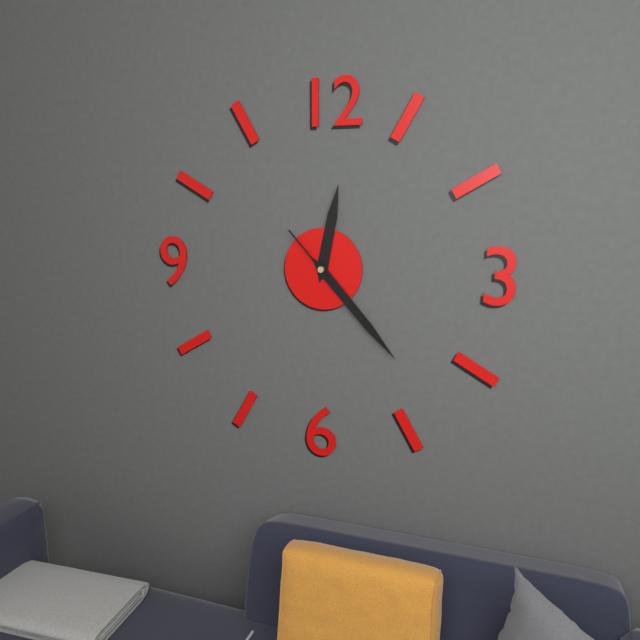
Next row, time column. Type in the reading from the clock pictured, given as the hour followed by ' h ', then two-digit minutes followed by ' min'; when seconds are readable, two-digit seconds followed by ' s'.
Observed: 12 h 23 min 53 s
